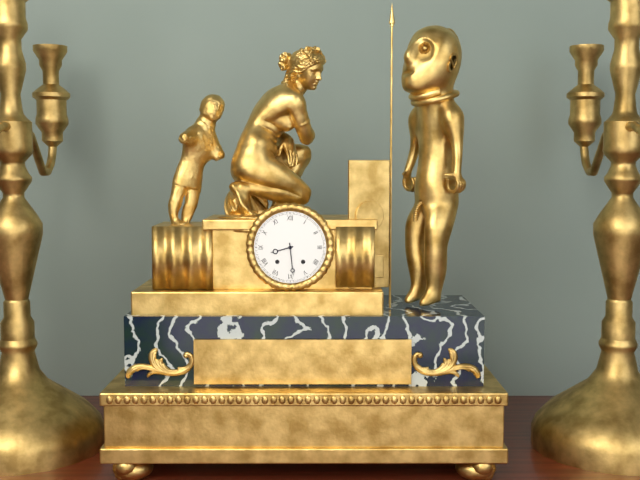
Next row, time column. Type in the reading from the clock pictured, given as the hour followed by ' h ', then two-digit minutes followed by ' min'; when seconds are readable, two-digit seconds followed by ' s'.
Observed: 8 h 29 min
